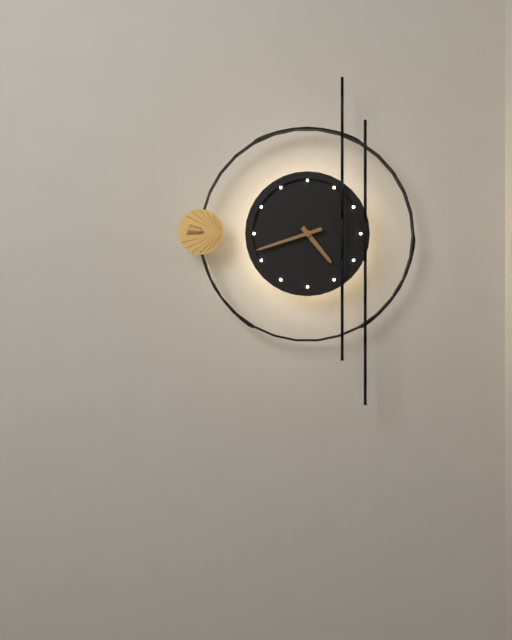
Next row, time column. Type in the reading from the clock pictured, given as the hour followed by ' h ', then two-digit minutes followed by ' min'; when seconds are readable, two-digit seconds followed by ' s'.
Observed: 4 h 42 min
